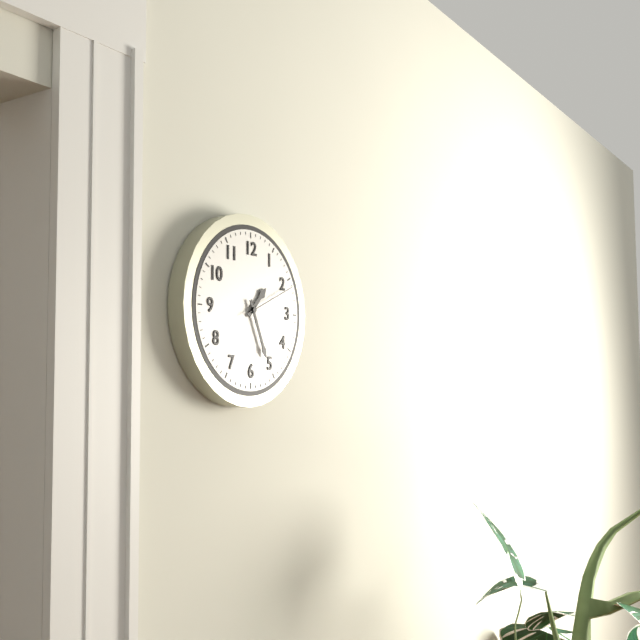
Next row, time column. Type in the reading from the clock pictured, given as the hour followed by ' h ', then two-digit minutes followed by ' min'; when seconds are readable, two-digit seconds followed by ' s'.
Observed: 1 h 26 min 11 s
